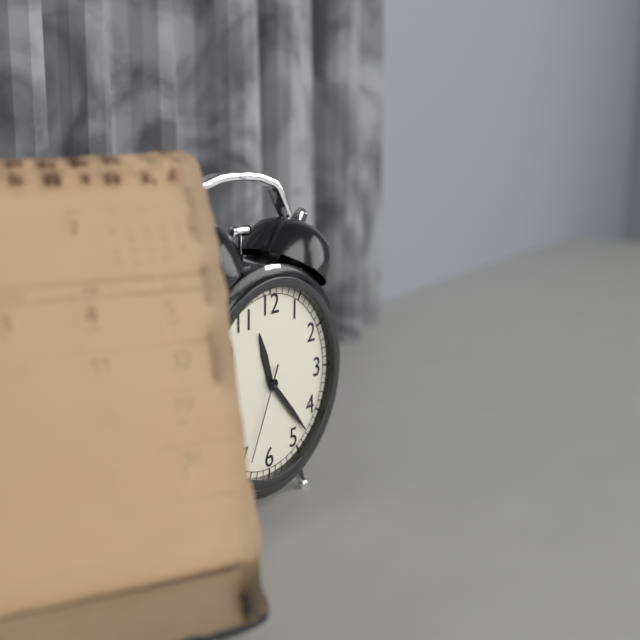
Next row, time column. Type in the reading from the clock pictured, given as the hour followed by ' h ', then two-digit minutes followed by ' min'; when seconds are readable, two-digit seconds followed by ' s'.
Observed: 11 h 23 min 34 s
